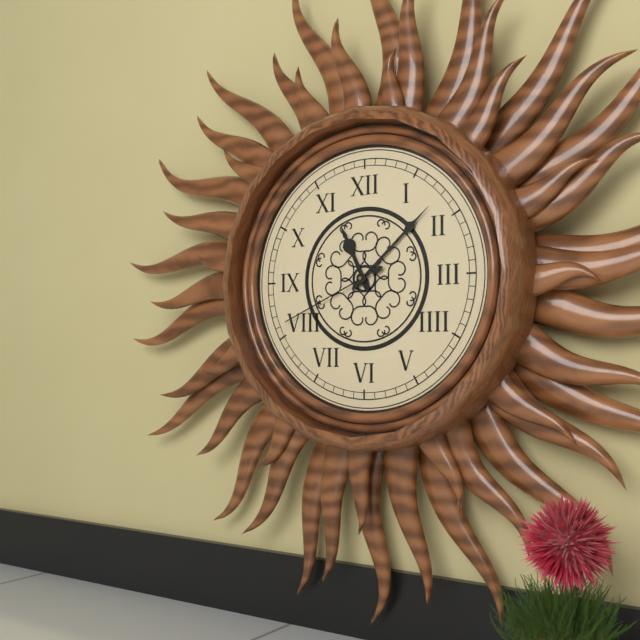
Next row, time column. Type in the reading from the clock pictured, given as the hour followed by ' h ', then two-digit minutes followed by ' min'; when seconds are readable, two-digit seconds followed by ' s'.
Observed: 11 h 08 min 41 s
